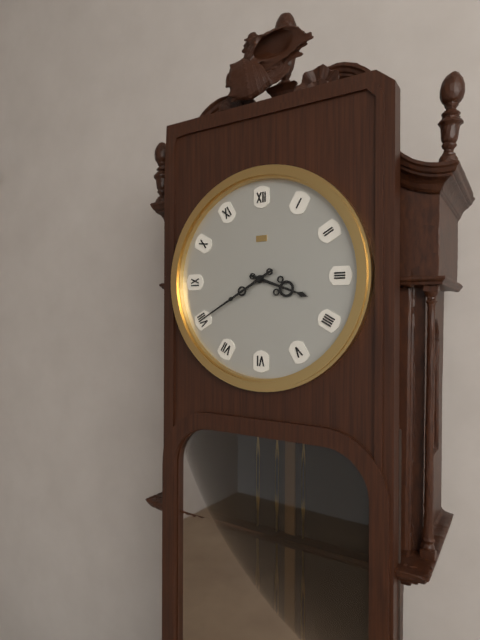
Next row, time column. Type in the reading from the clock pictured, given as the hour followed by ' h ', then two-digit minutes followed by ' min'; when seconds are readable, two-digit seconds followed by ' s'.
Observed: 3 h 40 min
